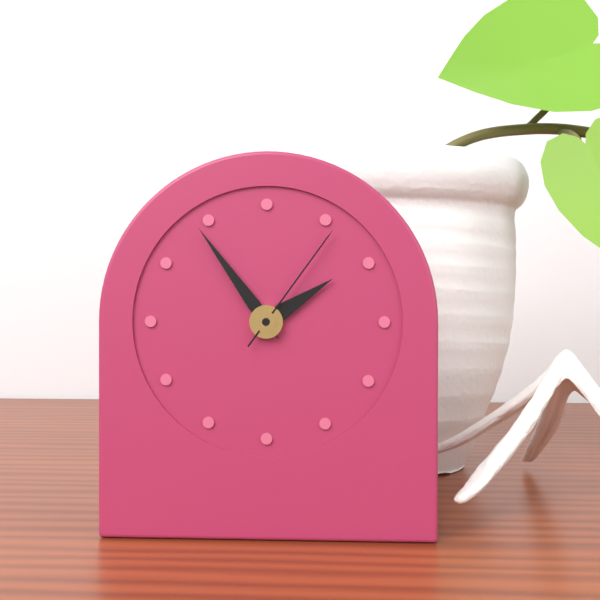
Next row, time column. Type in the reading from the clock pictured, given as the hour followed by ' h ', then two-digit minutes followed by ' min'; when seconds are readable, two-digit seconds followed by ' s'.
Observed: 1 h 54 min 06 s
